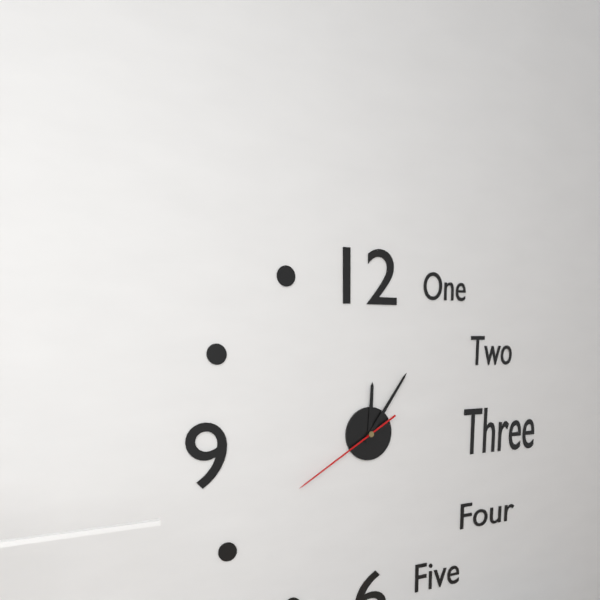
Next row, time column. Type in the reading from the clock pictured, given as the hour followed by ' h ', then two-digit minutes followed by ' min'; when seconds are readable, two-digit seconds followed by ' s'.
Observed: 12 h 06 min 40 s
